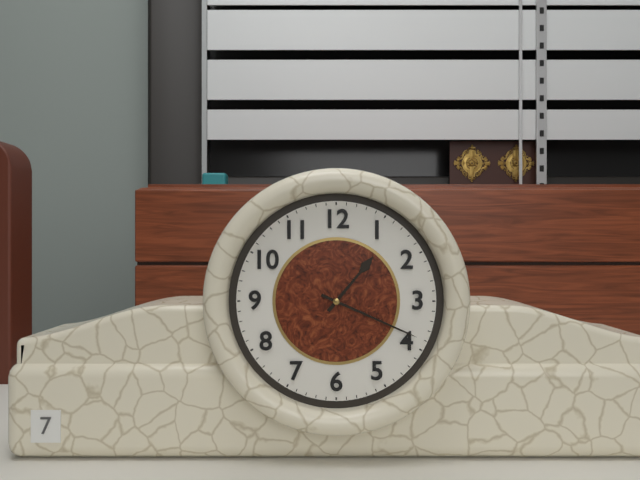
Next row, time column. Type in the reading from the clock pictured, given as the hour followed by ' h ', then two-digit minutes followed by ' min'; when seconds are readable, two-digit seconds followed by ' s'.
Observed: 1 h 19 min
